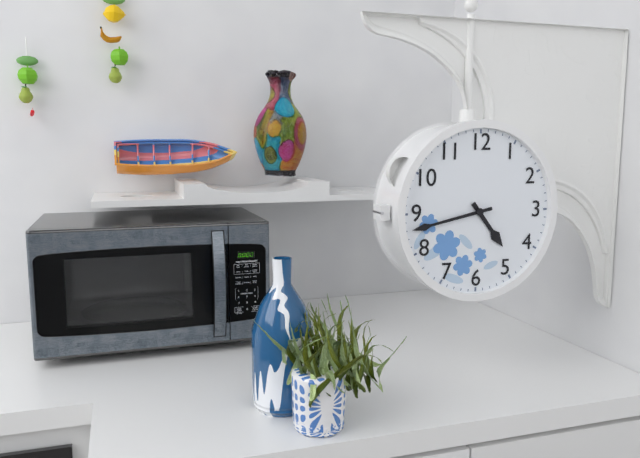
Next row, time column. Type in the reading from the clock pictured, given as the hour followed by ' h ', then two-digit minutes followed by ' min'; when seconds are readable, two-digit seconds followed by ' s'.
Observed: 4 h 43 min
